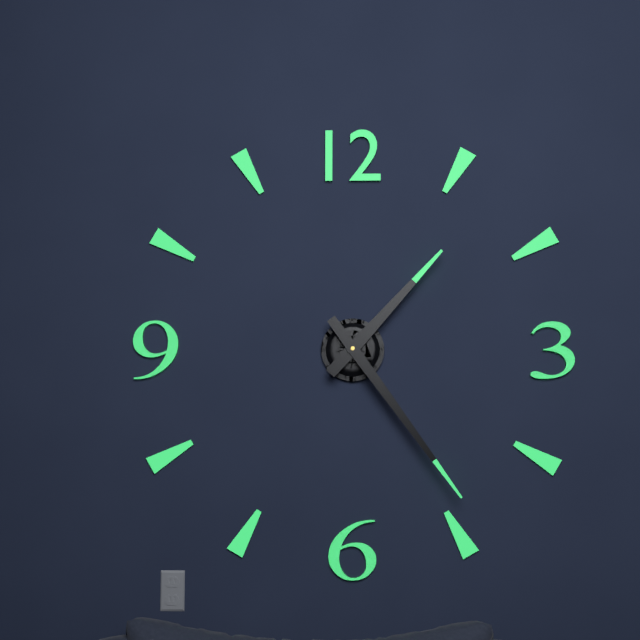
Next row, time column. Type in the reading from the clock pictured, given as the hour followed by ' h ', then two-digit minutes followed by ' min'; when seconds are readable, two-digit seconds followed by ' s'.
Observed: 1 h 24 min
